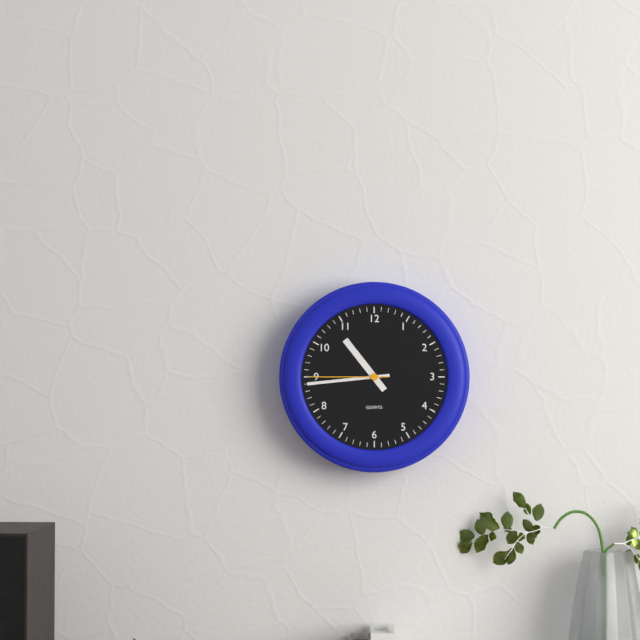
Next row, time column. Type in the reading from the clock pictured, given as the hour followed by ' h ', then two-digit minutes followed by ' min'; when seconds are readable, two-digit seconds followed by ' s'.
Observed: 10 h 44 min 45 s
